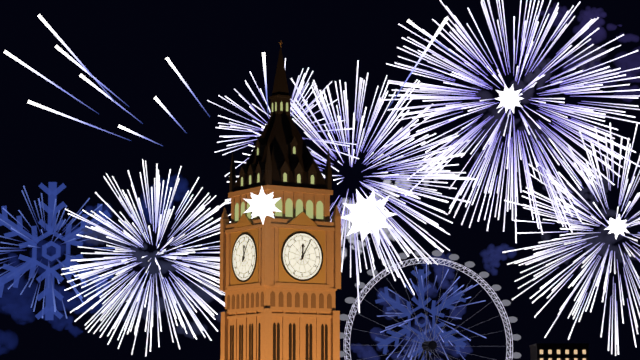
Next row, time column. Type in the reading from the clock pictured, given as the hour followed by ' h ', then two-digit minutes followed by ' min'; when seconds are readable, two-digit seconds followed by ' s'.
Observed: 12 h 05 min
